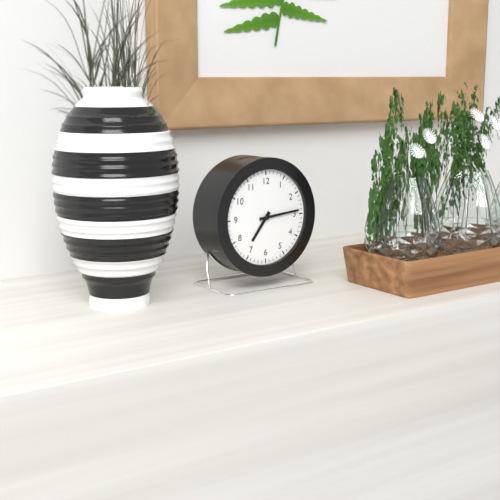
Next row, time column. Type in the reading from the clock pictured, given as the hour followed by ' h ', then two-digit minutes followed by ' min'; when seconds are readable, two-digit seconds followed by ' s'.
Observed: 7 h 14 min
